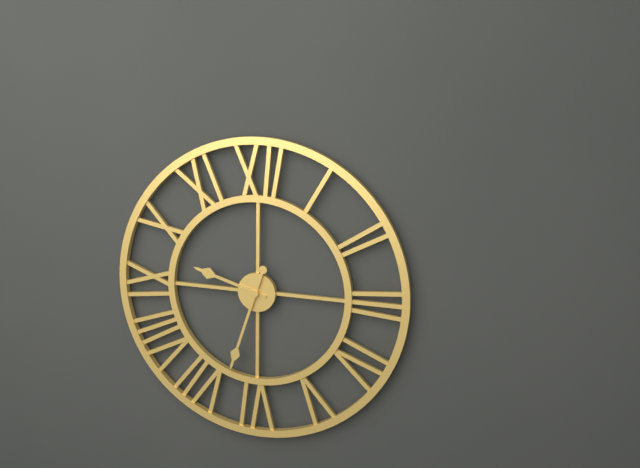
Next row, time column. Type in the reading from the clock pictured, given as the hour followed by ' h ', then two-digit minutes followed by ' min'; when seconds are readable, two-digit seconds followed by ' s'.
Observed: 9 h 33 min
